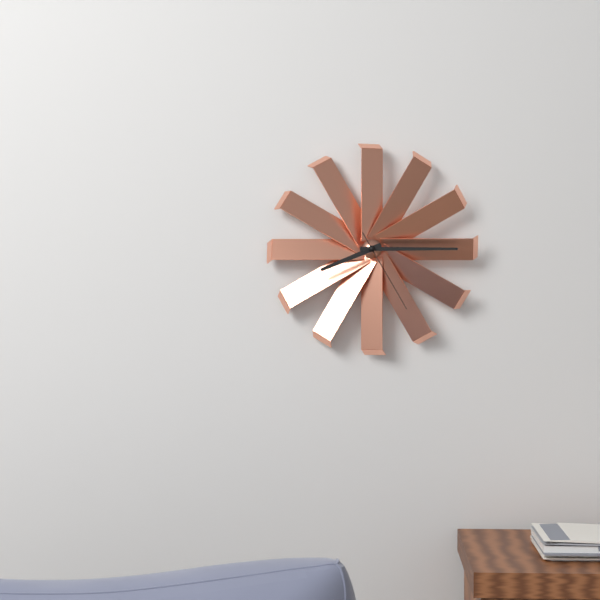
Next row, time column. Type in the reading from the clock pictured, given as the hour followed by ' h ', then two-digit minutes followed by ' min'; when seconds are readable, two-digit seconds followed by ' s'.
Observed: 8 h 15 min 25 s
